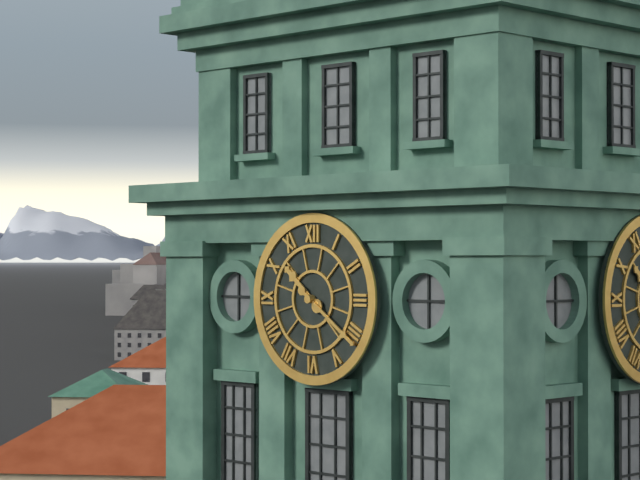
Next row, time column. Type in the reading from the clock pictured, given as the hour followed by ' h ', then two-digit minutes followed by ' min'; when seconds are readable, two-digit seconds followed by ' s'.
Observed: 10 h 21 min
